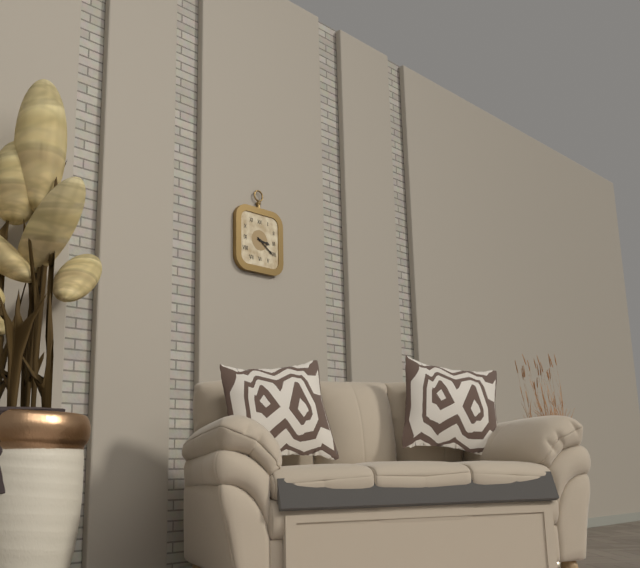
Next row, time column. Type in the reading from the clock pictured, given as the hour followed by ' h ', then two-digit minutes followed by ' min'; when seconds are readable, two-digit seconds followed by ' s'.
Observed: 3 h 21 min
